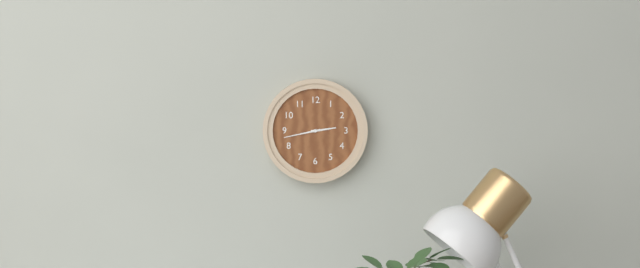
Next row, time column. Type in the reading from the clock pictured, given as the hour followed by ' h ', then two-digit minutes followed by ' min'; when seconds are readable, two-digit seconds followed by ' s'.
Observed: 2 h 43 min
